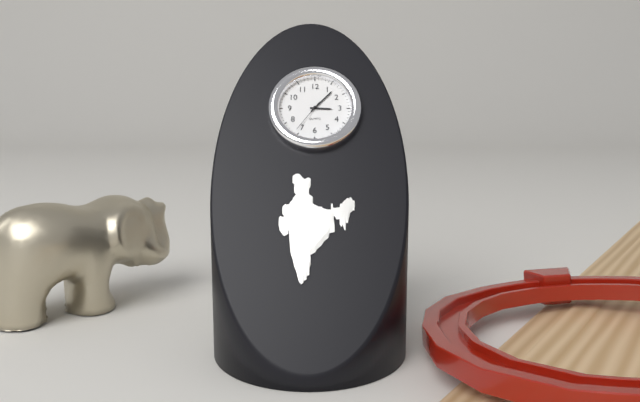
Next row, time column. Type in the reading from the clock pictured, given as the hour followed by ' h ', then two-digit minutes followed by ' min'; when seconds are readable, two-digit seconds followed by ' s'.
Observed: 3 h 07 min
